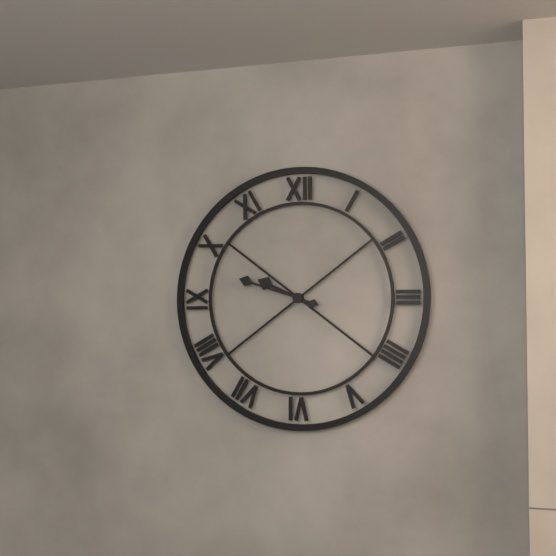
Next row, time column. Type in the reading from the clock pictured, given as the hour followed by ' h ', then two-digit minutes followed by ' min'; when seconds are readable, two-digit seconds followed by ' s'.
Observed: 9 h 48 min
